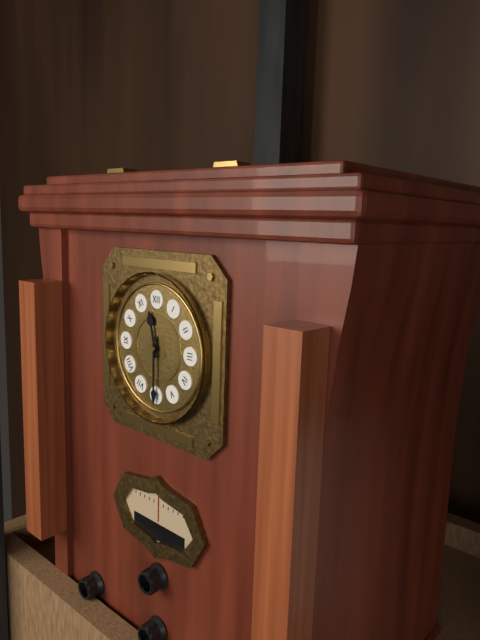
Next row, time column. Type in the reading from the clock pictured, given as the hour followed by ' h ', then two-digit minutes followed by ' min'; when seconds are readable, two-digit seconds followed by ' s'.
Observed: 11 h 30 min
